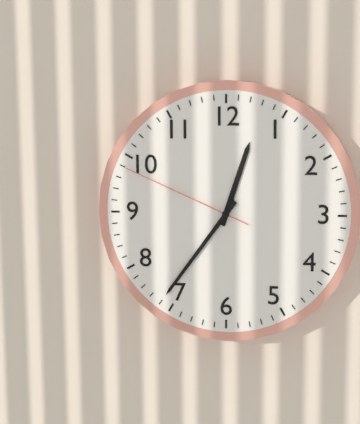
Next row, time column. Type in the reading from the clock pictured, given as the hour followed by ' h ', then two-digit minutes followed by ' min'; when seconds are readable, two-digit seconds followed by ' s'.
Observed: 12 h 36 min 49 s
